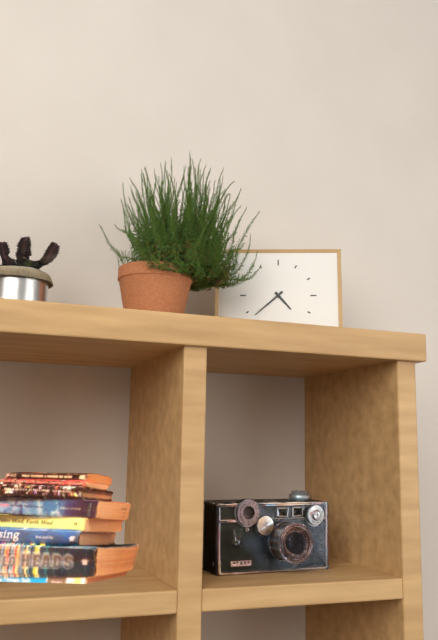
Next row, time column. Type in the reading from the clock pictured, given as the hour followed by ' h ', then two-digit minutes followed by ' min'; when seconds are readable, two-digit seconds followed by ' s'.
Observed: 4 h 38 min
